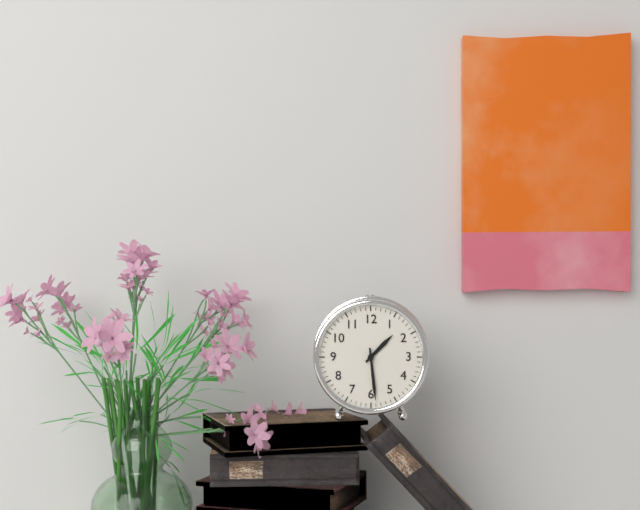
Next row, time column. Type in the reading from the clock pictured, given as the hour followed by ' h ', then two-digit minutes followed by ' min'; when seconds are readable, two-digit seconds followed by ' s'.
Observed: 1 h 29 min
